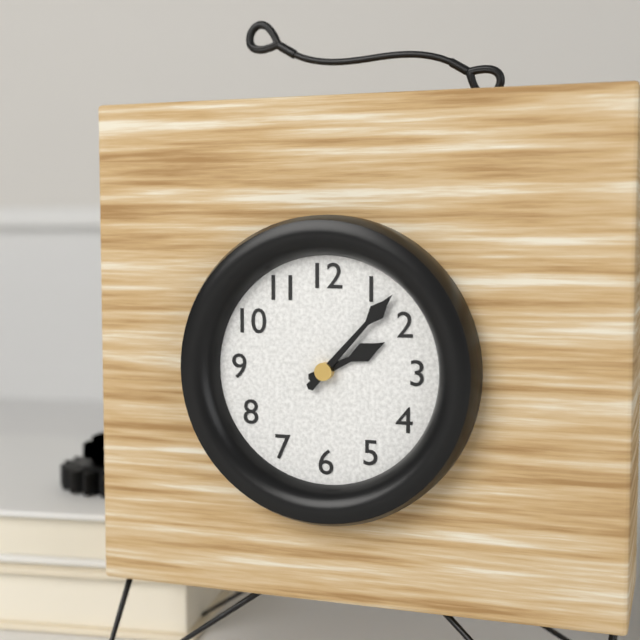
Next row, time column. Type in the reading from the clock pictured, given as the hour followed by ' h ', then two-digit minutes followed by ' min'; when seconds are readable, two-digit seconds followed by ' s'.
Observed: 2 h 07 min
